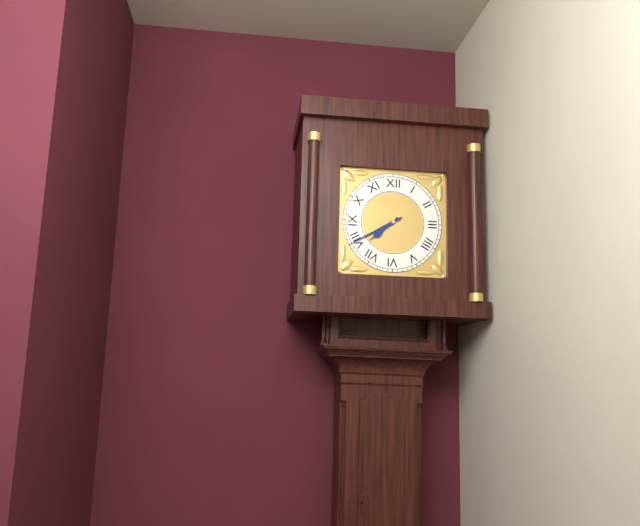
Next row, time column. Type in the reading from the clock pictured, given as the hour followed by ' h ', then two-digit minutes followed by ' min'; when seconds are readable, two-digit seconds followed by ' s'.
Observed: 7 h 40 min
